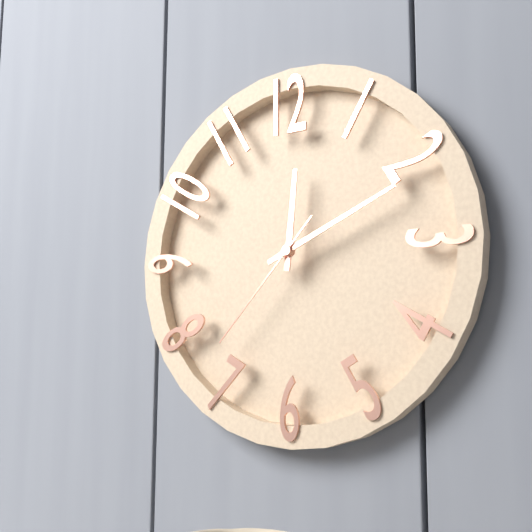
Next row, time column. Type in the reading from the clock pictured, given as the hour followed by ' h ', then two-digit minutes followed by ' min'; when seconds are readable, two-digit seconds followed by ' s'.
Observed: 12 h 11 min 37 s
